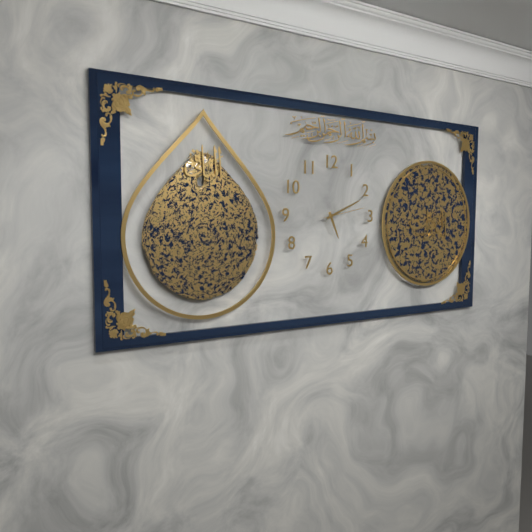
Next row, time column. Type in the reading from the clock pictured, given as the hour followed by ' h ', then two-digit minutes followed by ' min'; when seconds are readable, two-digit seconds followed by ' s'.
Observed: 5 h 11 min
